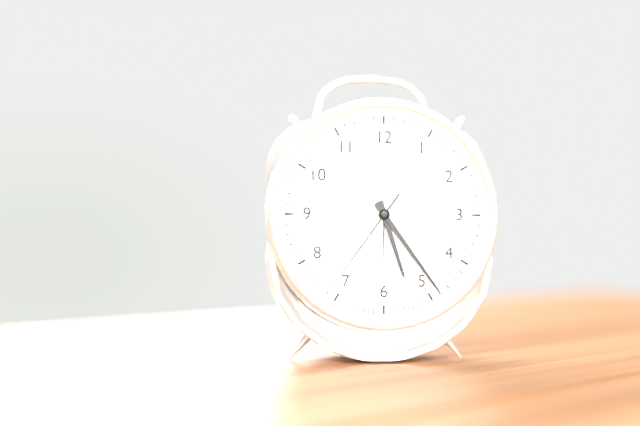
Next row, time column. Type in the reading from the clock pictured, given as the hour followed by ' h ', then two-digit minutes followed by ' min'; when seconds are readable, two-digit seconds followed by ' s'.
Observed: 5 h 24 min 36 s
